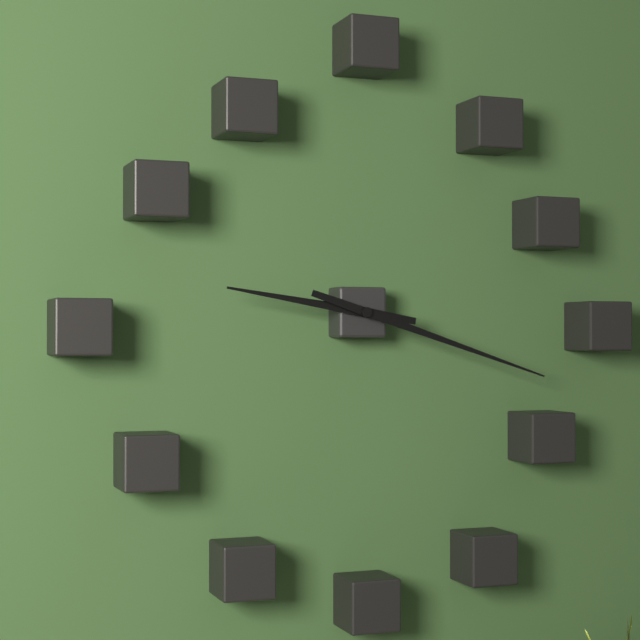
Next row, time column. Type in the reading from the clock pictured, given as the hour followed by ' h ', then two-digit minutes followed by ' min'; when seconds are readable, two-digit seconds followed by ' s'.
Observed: 9 h 18 min
